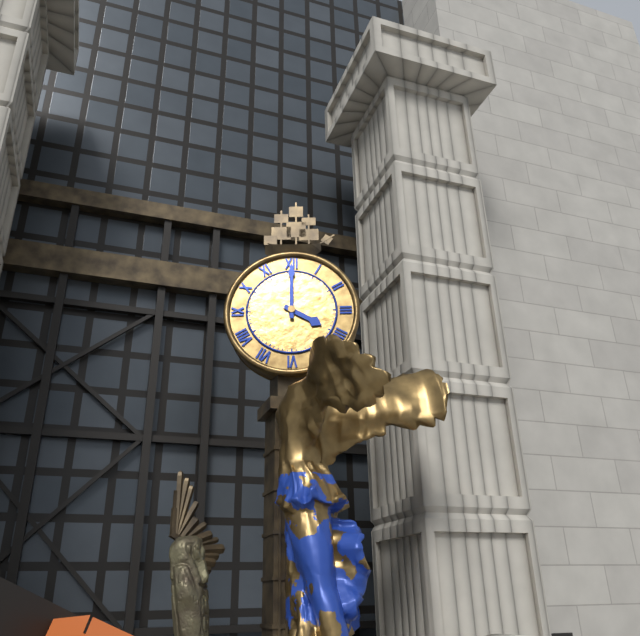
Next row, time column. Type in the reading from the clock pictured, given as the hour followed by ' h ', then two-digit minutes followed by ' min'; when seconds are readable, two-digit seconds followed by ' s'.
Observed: 4 h 00 min
